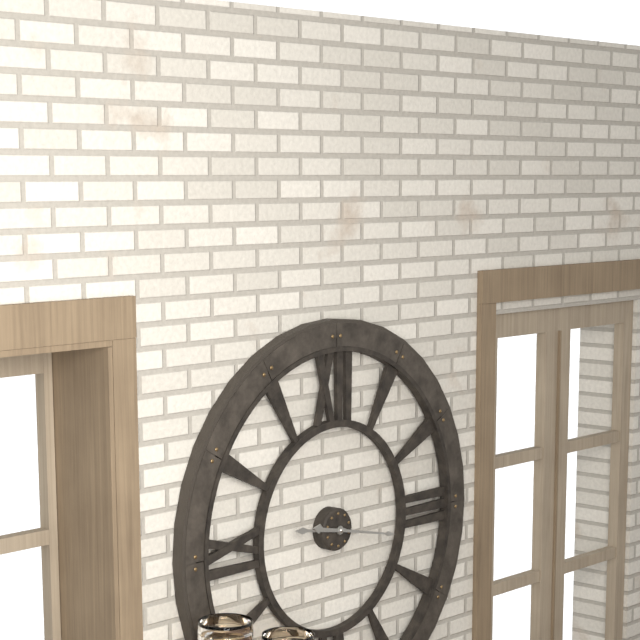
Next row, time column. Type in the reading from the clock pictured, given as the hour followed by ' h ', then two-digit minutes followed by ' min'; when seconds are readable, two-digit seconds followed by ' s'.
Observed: 9 h 17 min
